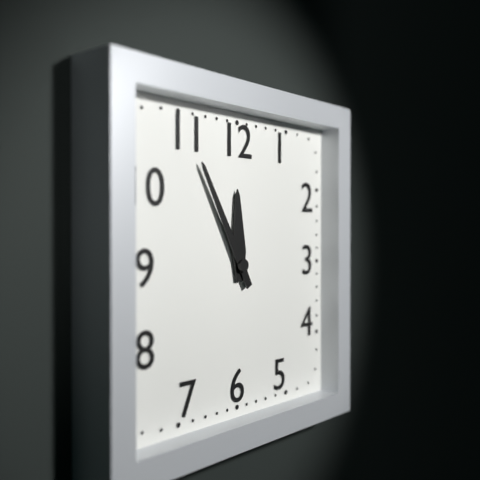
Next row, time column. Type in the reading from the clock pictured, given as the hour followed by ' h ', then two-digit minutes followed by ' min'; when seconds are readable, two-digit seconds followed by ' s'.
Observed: 11 h 55 min
